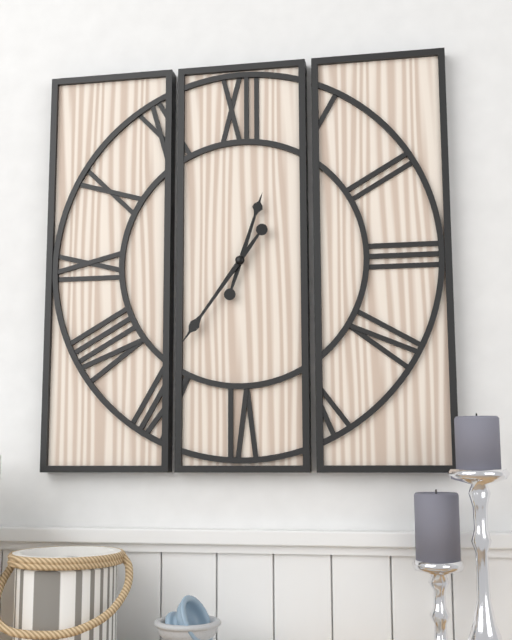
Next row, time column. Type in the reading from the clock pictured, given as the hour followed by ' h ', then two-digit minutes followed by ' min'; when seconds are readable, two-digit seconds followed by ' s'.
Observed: 12 h 36 min
